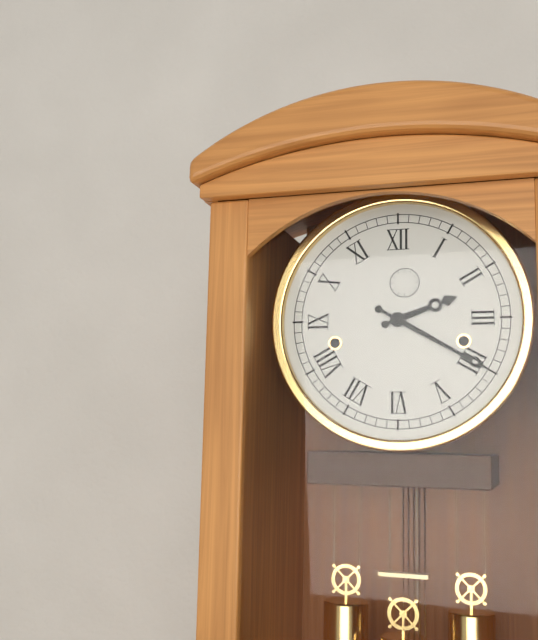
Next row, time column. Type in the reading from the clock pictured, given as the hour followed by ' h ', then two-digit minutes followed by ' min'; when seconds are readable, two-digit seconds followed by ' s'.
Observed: 2 h 20 min
